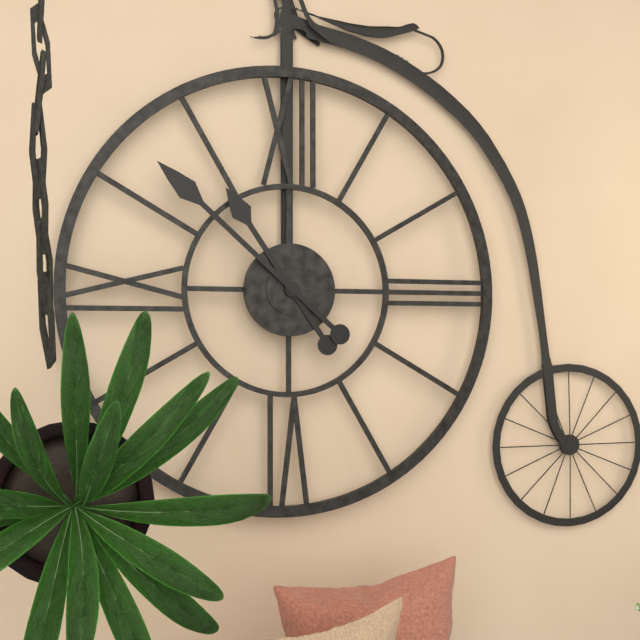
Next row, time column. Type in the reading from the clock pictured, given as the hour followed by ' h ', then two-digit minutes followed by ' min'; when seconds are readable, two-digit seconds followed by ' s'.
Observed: 10 h 52 min
